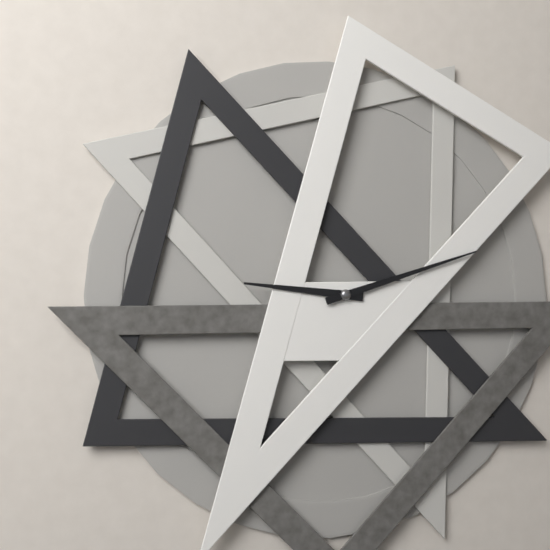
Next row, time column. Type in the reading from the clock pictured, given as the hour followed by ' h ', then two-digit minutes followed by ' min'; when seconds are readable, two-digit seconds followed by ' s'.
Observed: 9 h 12 min
